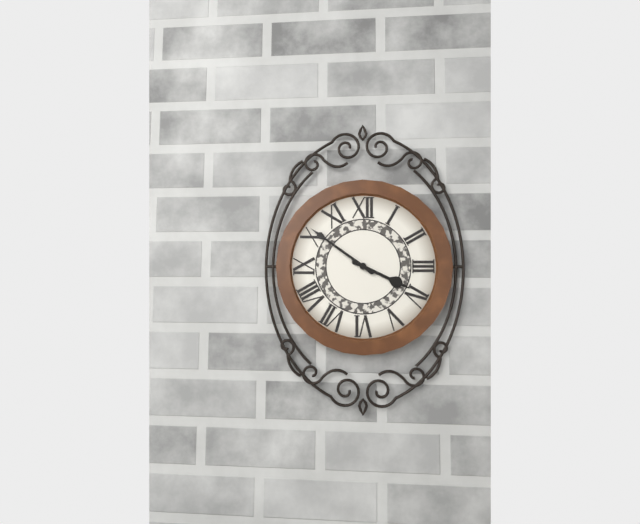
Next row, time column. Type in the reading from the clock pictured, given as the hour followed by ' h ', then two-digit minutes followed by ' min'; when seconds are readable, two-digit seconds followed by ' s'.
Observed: 3 h 51 min
